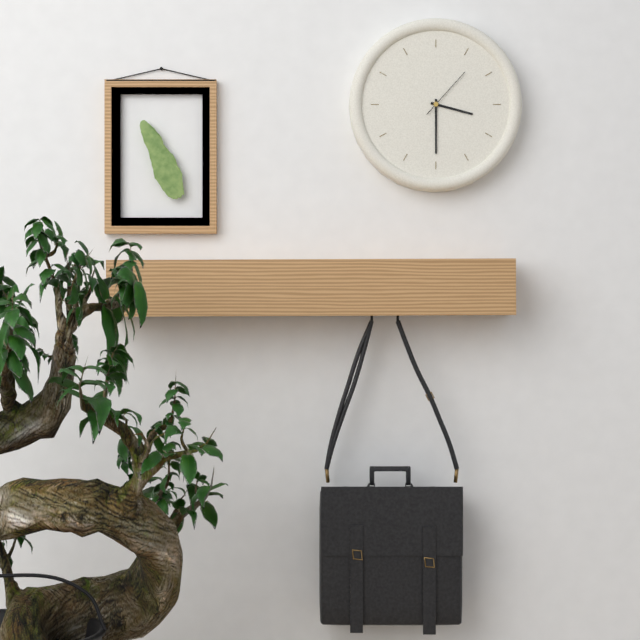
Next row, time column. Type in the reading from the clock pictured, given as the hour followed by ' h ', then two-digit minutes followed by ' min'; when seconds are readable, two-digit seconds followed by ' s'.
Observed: 3 h 30 min 07 s
